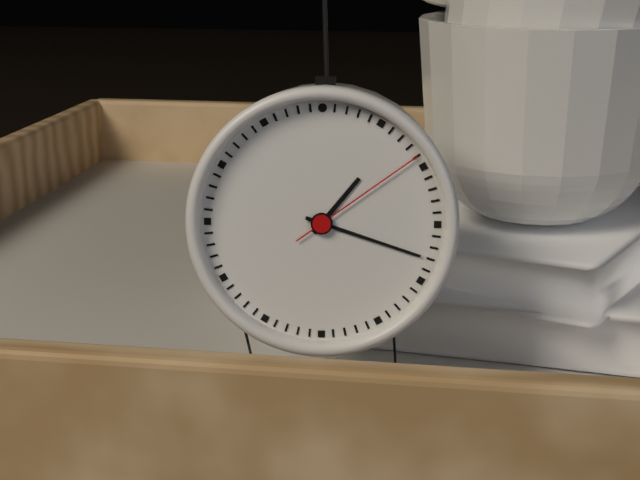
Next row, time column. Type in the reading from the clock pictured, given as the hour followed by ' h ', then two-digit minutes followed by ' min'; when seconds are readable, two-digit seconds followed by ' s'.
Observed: 1 h 18 min 09 s
